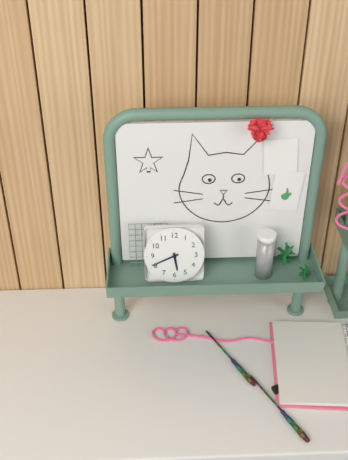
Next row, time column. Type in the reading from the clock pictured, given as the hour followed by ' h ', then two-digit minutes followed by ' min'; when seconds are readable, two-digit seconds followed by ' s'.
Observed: 5 h 41 min
